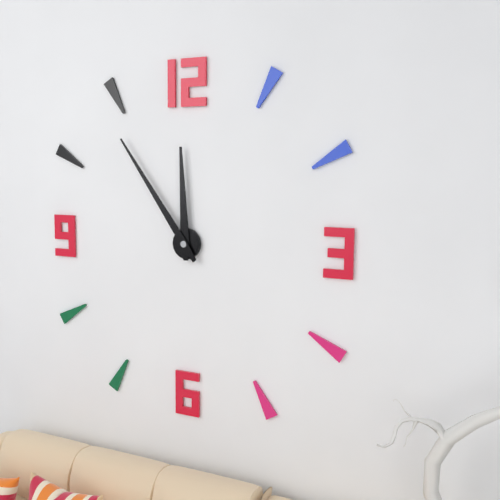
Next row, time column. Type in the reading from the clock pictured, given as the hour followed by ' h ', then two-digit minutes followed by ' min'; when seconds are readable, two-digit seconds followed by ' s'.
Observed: 11 h 54 min
